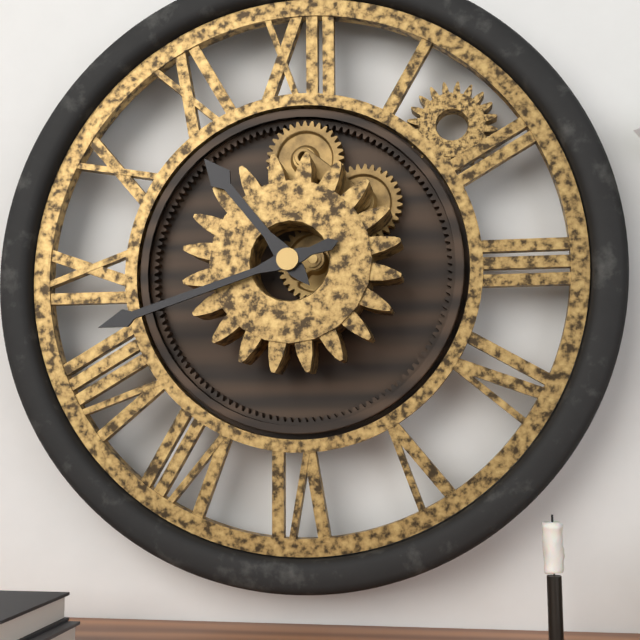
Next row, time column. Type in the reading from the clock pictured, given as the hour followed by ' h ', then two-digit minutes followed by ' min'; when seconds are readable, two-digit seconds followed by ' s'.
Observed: 10 h 42 min
